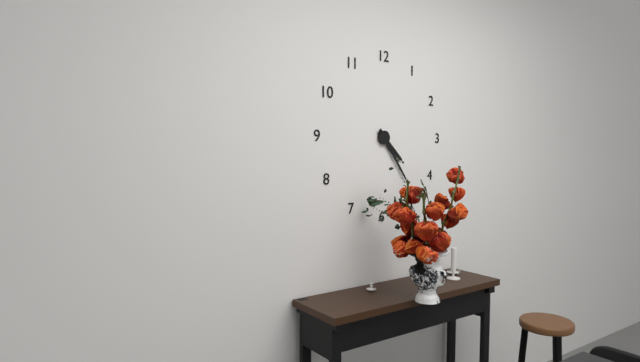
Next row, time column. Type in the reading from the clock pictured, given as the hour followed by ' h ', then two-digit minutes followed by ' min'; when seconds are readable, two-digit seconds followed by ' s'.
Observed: 4 h 24 min
